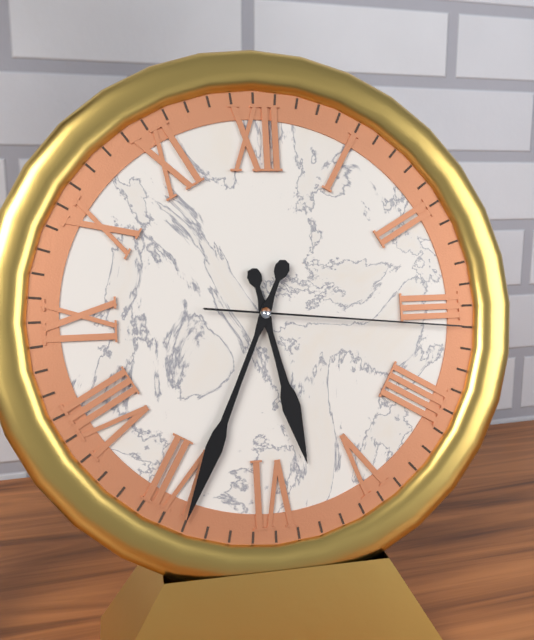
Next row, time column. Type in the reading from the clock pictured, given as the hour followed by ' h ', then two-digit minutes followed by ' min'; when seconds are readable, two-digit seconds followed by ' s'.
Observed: 5 h 34 min 16 s
